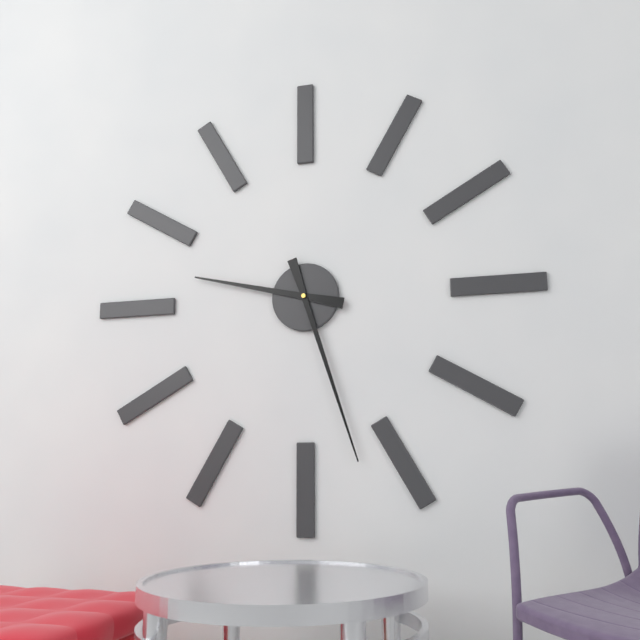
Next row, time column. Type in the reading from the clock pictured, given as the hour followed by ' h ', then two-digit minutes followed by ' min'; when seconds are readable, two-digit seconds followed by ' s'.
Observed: 9 h 27 min
